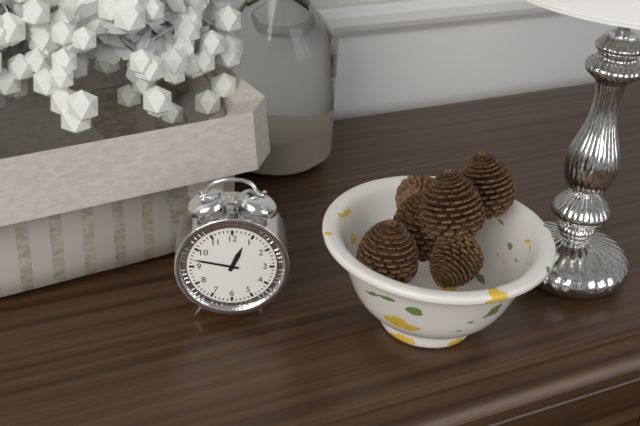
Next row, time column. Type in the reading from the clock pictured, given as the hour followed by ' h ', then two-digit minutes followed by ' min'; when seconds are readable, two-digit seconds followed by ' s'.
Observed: 12 h 47 min
